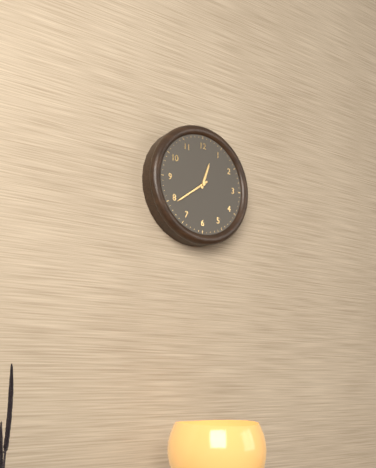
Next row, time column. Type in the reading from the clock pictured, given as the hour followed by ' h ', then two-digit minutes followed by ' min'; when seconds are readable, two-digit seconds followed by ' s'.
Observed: 12 h 39 min
